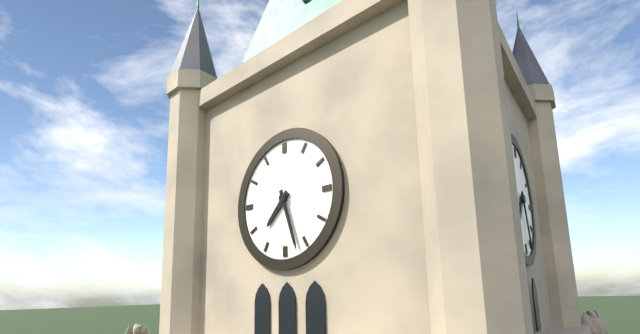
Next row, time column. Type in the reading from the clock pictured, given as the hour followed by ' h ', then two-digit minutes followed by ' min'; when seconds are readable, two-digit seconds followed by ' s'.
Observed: 7 h 27 min
